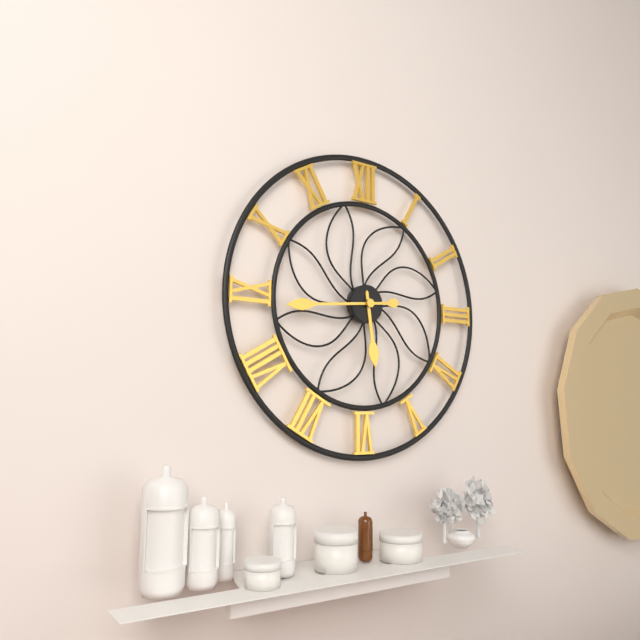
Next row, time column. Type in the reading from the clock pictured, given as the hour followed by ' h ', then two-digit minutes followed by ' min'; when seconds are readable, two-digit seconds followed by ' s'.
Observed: 5 h 44 min
